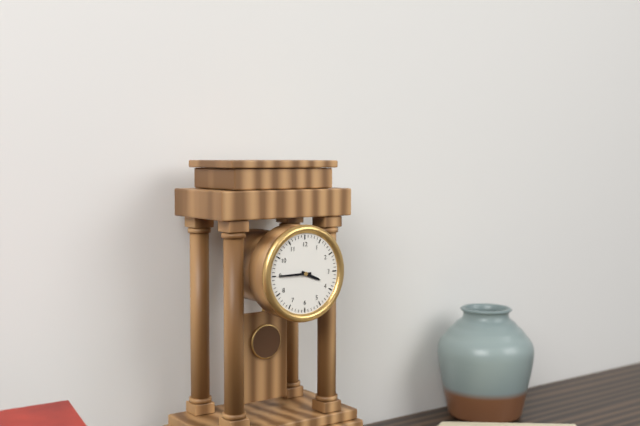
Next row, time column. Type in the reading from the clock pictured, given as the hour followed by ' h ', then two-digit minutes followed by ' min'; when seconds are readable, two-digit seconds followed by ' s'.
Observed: 3 h 45 min
